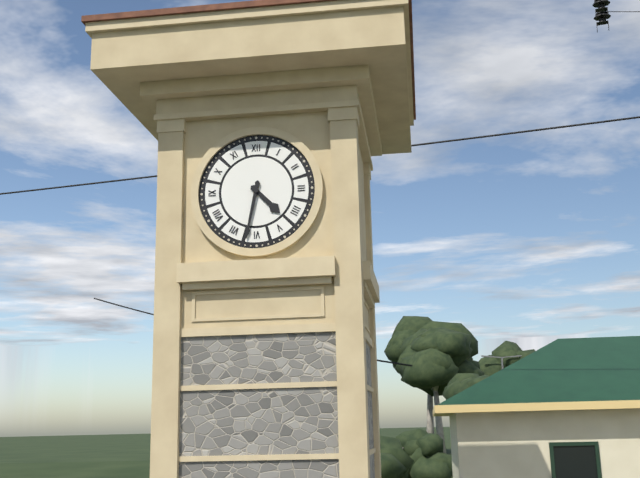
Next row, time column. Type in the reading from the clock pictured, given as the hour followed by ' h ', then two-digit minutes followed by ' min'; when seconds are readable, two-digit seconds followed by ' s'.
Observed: 4 h 32 min
